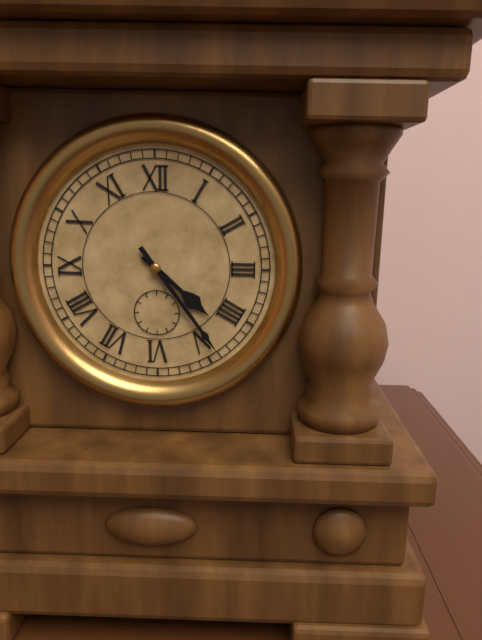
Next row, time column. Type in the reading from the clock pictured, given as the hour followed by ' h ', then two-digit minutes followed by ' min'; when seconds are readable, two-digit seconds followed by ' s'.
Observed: 4 h 24 min
